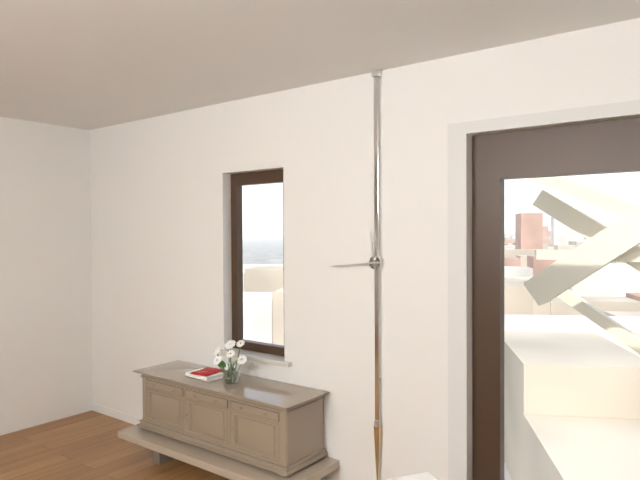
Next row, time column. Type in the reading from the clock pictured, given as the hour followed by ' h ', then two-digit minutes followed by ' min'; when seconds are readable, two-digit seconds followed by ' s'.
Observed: 11 h 44 min
